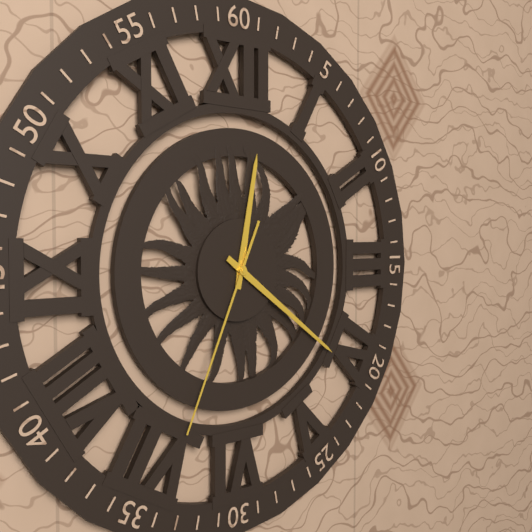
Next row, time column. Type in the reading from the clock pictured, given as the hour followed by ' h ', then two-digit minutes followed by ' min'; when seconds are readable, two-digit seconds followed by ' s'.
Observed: 12 h 21 min 34 s
